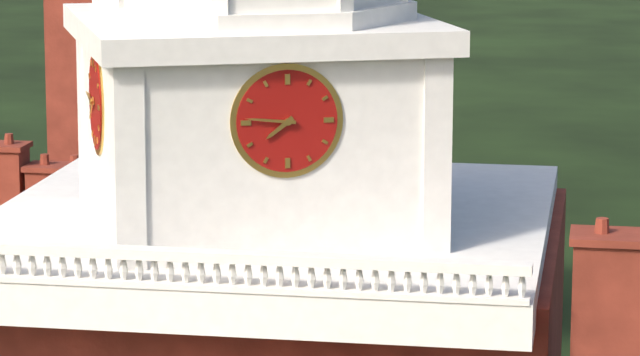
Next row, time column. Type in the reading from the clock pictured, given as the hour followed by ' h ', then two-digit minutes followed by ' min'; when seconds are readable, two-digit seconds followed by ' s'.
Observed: 7 h 46 min
